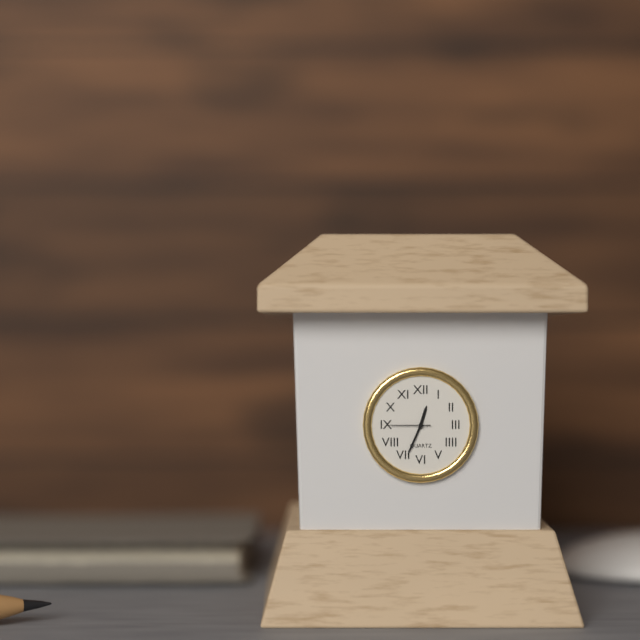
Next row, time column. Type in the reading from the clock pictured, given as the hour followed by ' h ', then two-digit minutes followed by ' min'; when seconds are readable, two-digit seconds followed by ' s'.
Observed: 12 h 34 min
